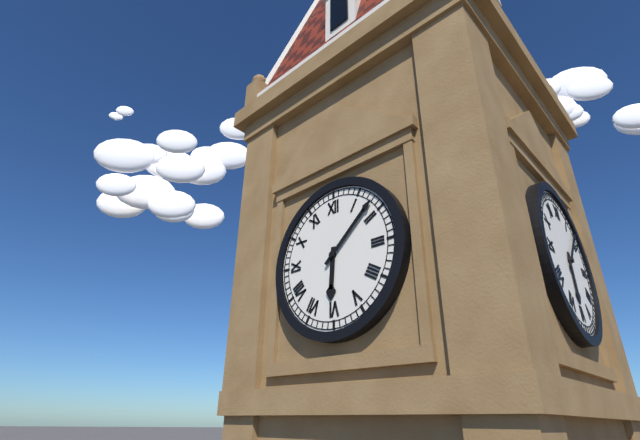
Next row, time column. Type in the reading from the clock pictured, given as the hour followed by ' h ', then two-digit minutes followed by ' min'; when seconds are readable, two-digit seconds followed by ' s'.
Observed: 6 h 08 min
